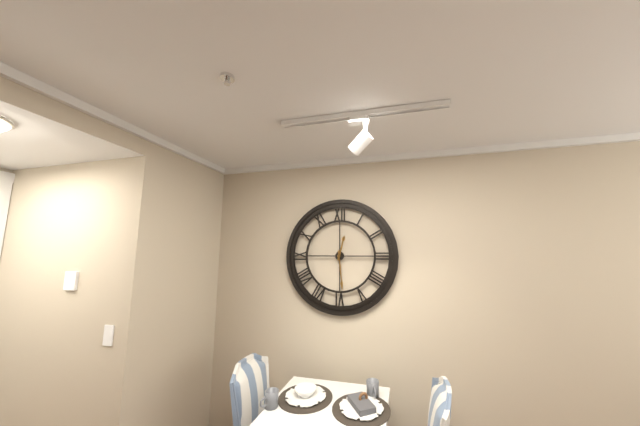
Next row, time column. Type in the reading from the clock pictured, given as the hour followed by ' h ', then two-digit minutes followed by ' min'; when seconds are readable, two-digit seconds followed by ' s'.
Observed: 12 h 29 min
